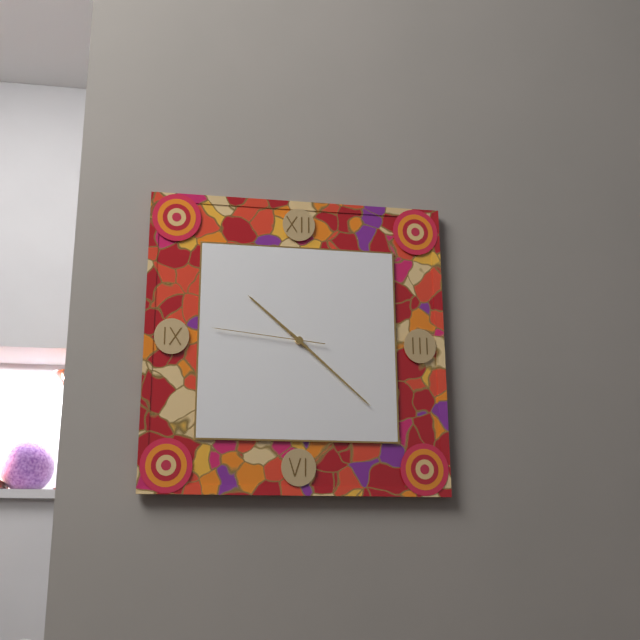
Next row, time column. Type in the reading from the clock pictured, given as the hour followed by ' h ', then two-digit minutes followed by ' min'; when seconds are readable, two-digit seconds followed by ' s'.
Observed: 10 h 22 min 46 s
